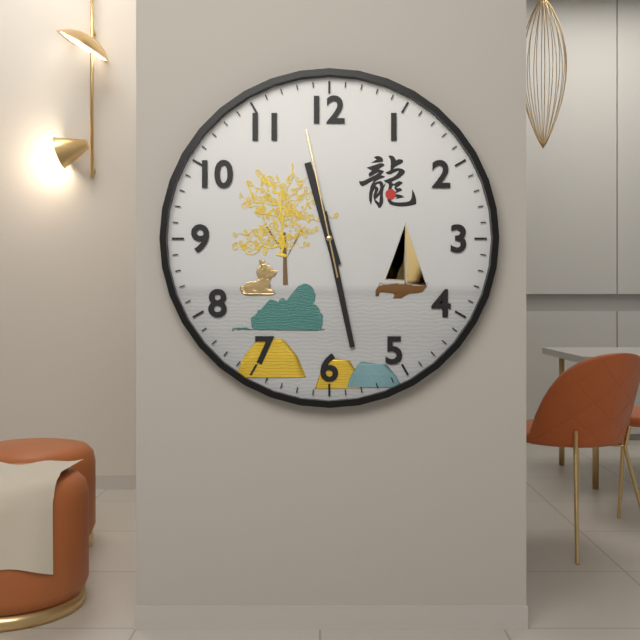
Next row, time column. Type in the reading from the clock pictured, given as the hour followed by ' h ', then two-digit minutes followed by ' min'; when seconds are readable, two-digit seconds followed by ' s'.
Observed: 11 h 28 min 58 s
